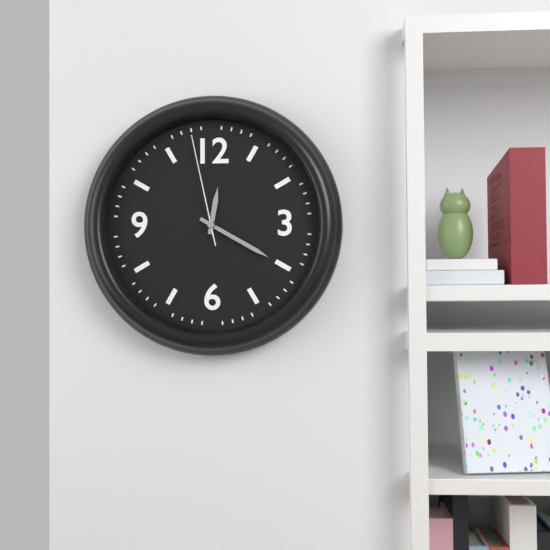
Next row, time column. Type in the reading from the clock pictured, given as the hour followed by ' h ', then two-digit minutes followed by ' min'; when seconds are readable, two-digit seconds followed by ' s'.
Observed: 12 h 20 min 58 s
